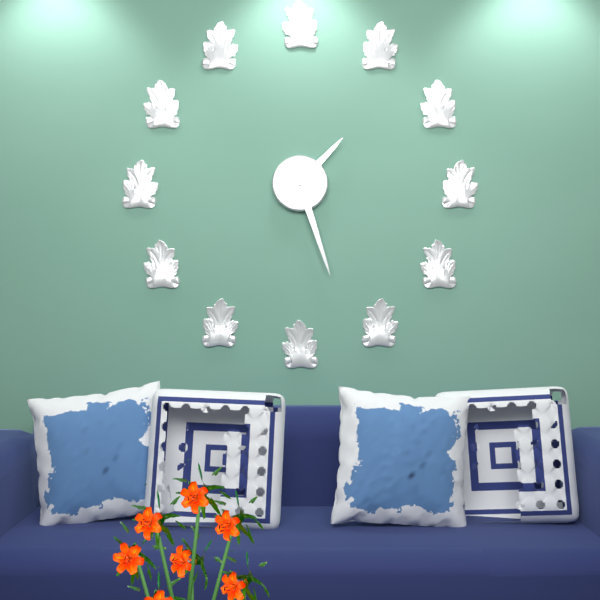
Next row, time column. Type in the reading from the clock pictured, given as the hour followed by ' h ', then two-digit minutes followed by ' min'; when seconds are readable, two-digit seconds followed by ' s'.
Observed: 1 h 27 min
